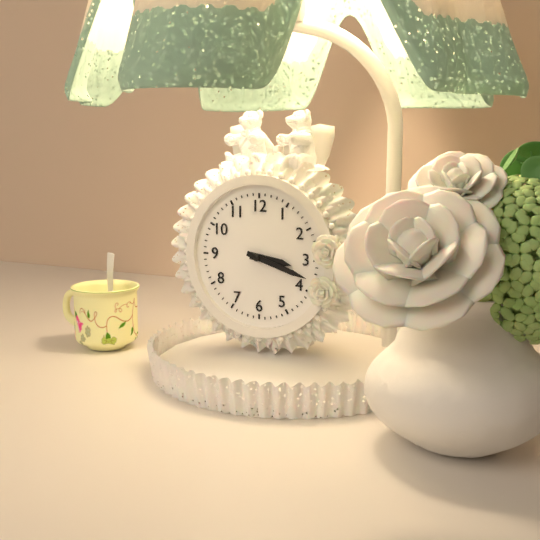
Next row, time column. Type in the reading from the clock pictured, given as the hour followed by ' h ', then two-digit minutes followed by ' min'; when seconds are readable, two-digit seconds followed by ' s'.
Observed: 3 h 18 min
